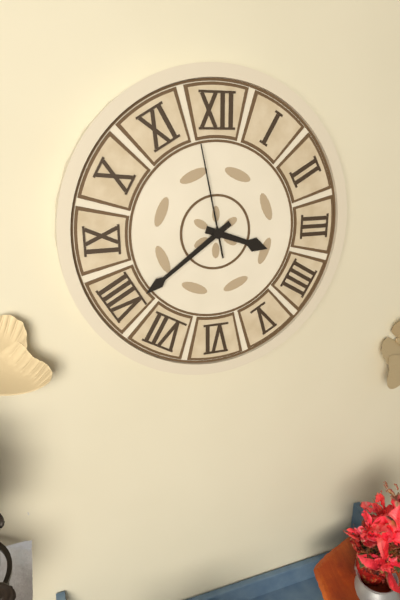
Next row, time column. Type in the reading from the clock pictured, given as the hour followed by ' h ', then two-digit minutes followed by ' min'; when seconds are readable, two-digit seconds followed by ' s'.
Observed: 3 h 39 min 58 s
